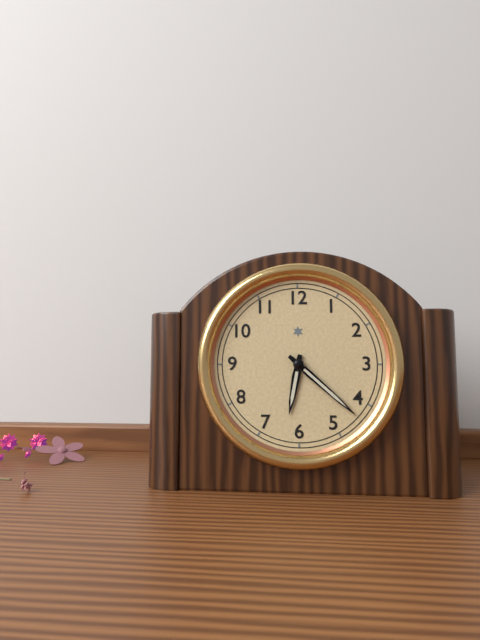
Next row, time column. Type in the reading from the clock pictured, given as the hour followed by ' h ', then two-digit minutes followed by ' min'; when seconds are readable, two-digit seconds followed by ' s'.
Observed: 6 h 22 min
